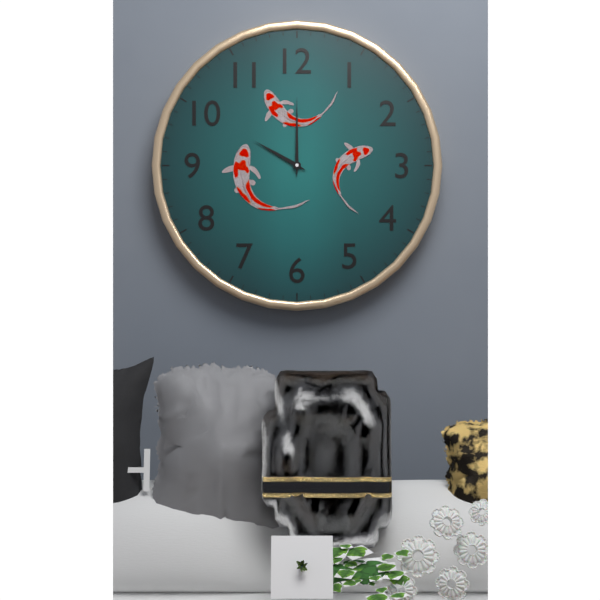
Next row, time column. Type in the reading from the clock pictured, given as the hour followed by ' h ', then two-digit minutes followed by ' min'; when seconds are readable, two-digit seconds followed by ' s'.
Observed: 10 h 00 min
